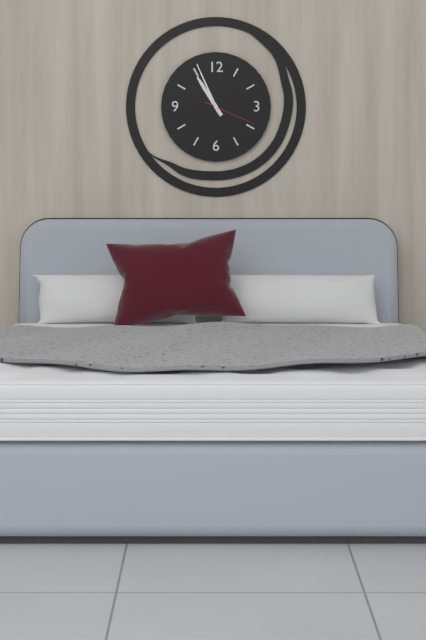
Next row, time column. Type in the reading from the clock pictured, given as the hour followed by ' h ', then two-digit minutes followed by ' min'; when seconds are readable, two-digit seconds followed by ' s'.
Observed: 10 h 56 min 19 s
